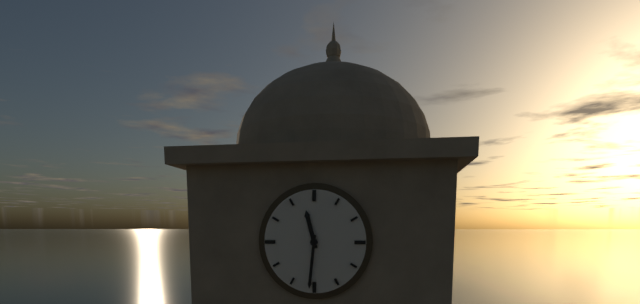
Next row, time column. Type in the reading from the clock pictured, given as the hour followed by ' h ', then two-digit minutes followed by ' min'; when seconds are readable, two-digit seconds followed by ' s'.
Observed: 11 h 31 min
